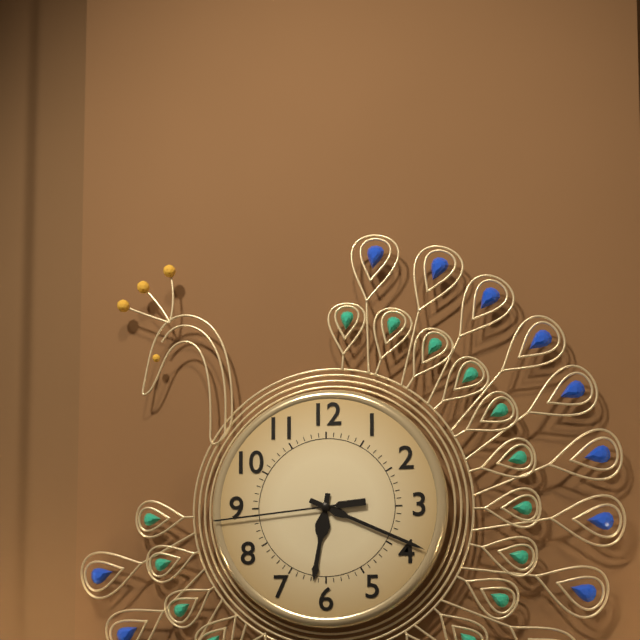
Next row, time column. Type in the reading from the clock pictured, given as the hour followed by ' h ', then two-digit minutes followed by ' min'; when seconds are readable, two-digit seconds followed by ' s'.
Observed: 6 h 19 min 44 s
